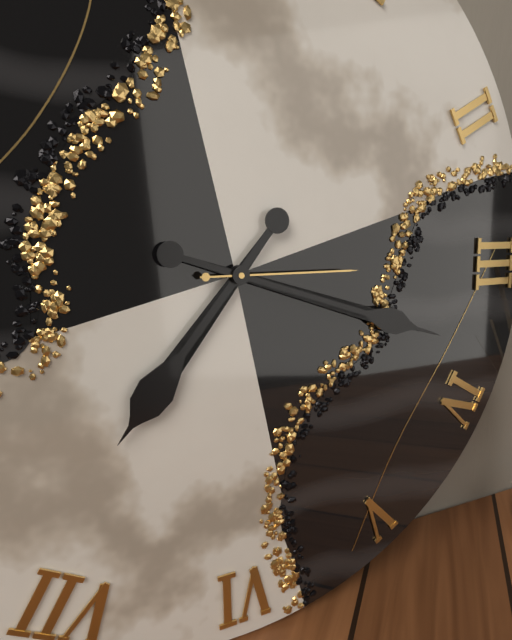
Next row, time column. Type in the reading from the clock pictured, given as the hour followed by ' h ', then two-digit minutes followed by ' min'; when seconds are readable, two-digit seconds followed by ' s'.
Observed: 7 h 18 min 15 s
